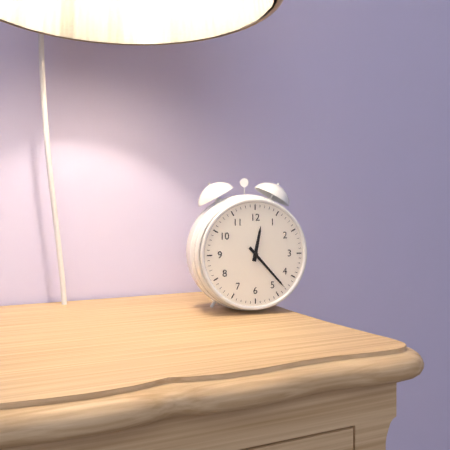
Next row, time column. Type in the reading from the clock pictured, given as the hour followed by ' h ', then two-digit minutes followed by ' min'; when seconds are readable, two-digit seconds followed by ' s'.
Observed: 12 h 23 min
